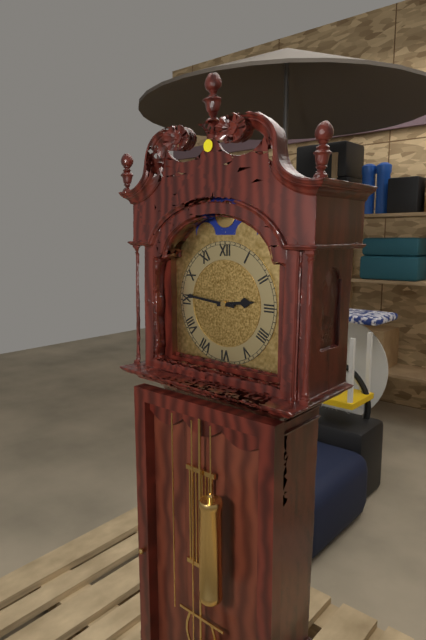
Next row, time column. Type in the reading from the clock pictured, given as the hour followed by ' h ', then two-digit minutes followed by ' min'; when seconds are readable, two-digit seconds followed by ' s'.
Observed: 2 h 46 min
